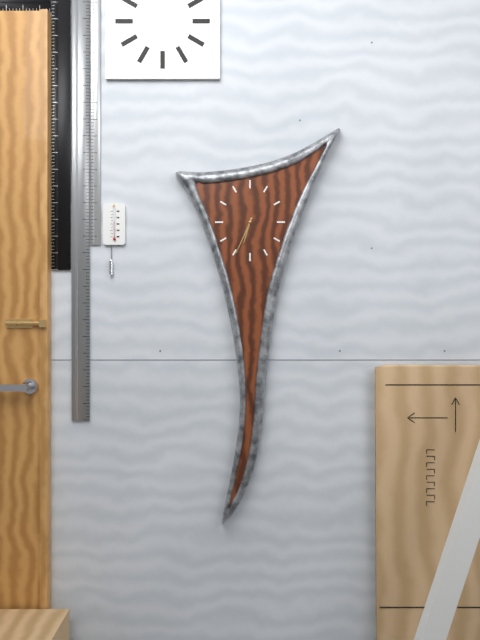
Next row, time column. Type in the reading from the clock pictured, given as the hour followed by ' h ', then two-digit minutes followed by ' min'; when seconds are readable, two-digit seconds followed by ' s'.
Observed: 6 h 34 min
